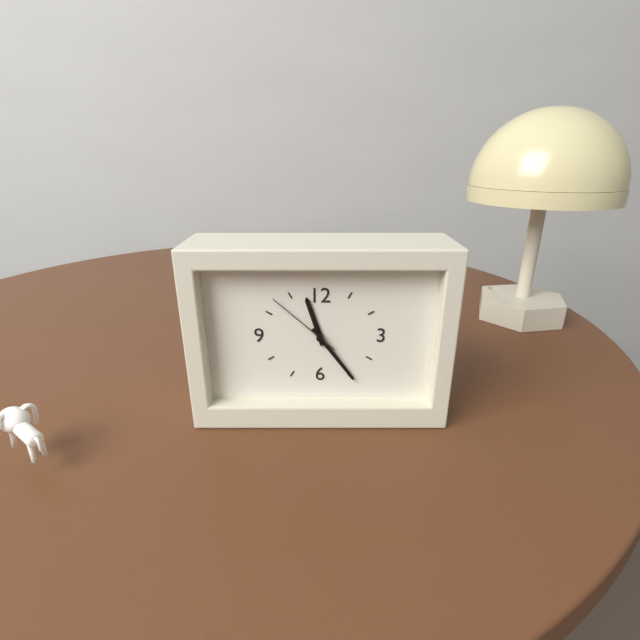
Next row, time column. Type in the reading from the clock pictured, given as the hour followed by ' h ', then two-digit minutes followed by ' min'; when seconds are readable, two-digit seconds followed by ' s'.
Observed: 11 h 24 min 52 s
